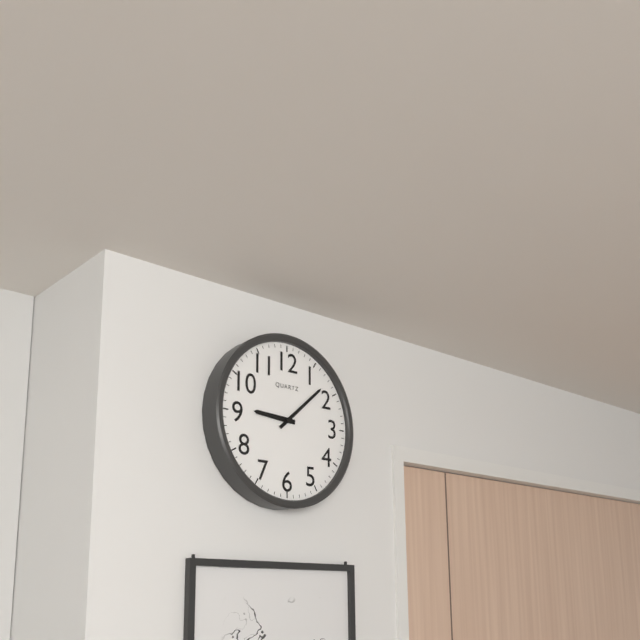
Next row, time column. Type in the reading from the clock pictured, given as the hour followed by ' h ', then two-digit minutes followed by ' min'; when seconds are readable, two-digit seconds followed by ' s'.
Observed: 9 h 08 min
